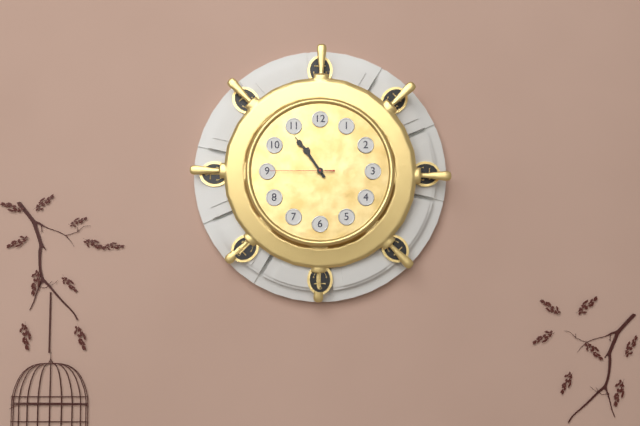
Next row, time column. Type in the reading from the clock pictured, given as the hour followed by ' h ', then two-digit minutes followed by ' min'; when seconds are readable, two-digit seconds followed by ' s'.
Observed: 10 h 54 min 45 s
